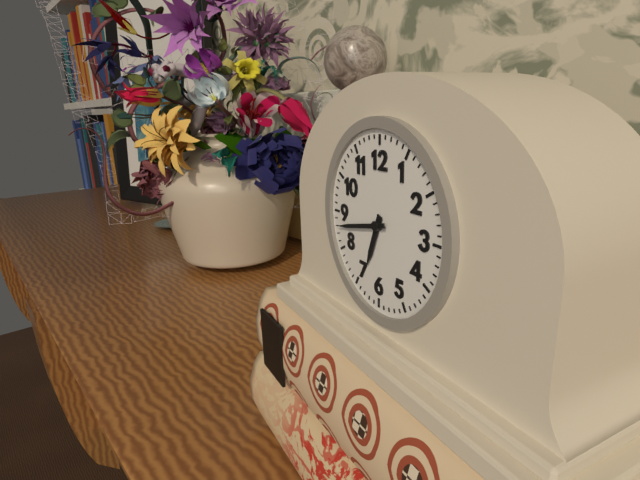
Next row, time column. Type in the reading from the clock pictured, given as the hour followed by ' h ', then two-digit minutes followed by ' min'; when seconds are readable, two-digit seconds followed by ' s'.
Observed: 6 h 43 min
